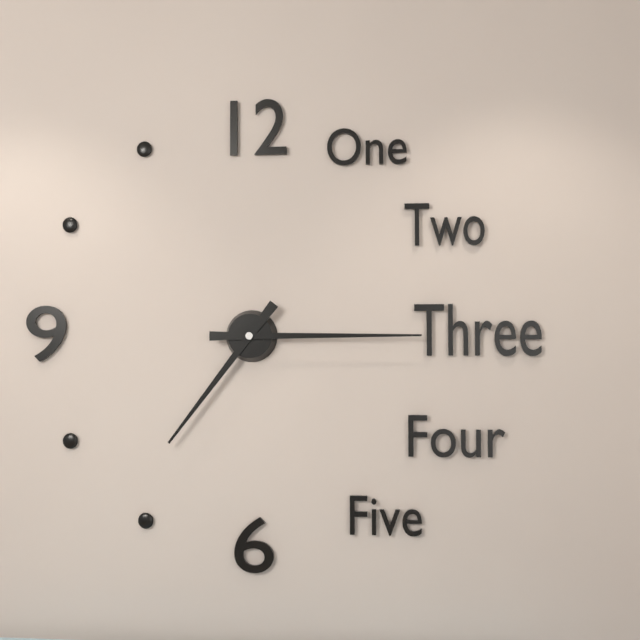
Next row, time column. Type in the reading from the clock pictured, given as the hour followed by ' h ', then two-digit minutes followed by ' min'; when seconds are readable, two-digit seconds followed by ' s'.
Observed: 7 h 15 min
